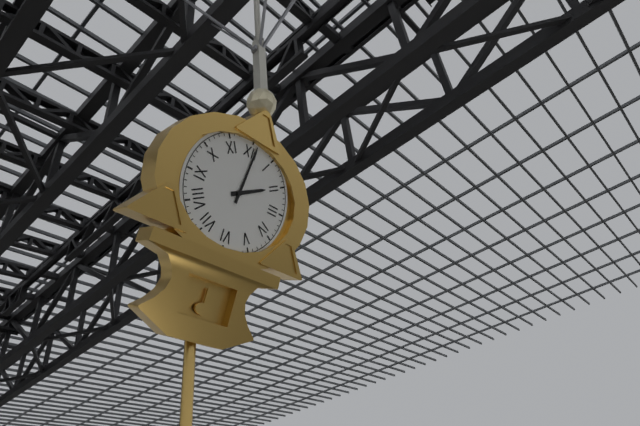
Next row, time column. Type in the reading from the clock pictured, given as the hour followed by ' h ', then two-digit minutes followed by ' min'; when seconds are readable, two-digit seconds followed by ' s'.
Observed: 2 h 01 min
